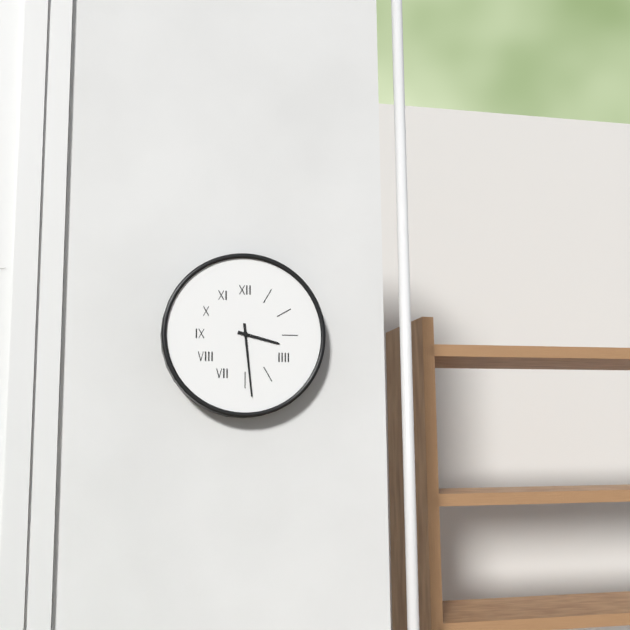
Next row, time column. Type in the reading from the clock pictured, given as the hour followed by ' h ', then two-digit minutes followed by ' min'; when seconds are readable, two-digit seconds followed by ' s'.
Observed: 3 h 29 min
